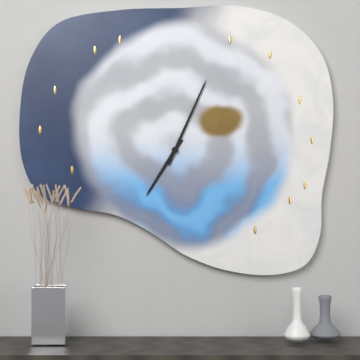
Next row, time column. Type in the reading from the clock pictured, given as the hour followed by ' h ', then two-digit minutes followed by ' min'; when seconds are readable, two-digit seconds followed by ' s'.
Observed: 7 h 04 min
